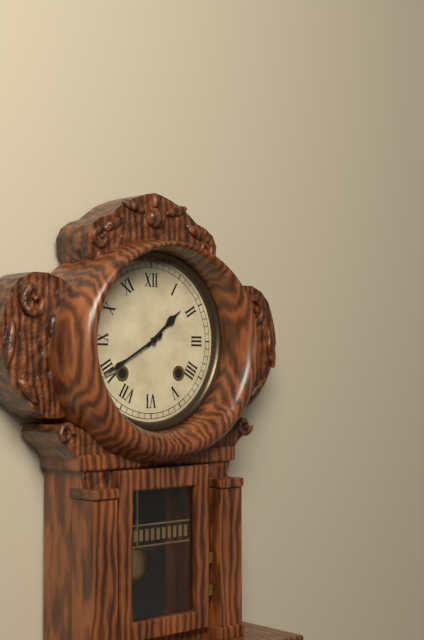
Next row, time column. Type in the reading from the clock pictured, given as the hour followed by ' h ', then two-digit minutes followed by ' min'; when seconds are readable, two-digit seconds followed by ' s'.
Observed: 1 h 40 min
